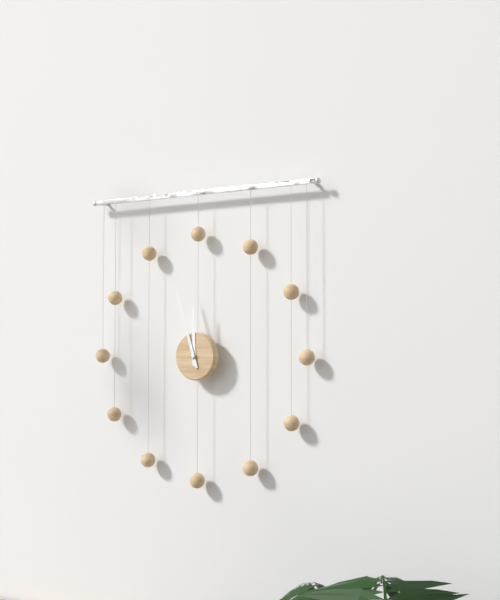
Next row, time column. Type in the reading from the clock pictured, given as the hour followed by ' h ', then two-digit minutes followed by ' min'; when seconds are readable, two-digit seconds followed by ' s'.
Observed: 11 h 57 min
